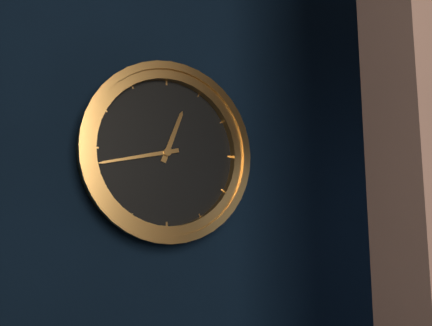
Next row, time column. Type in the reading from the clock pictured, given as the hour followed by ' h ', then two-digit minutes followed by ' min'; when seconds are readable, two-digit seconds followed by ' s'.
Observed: 12 h 43 min
